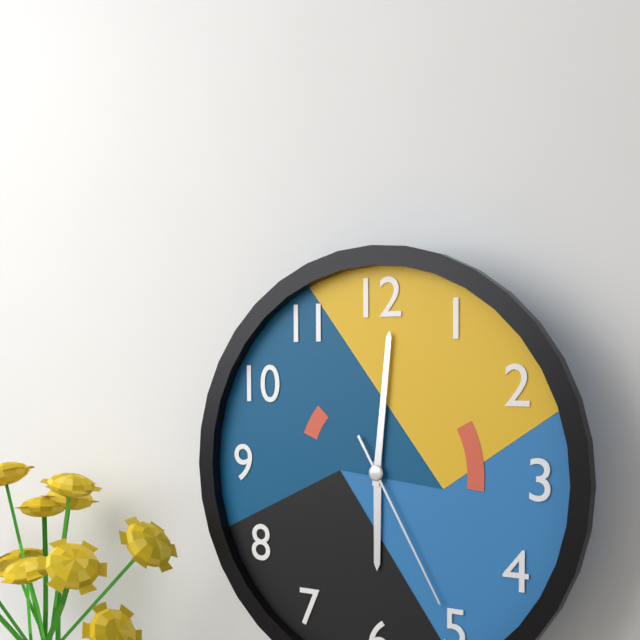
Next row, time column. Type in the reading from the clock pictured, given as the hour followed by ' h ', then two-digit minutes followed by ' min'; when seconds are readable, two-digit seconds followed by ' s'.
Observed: 6 h 01 min 25 s
